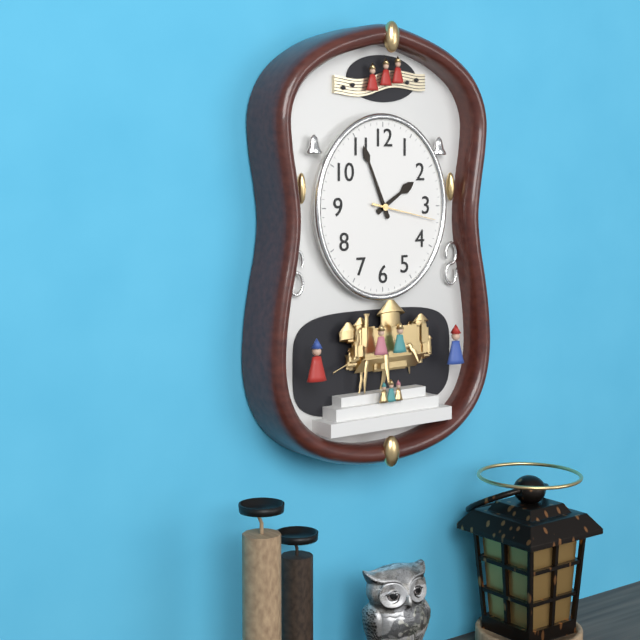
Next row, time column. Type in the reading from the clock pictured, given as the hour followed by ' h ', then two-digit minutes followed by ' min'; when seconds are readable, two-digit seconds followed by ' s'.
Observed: 1 h 56 min 17 s
